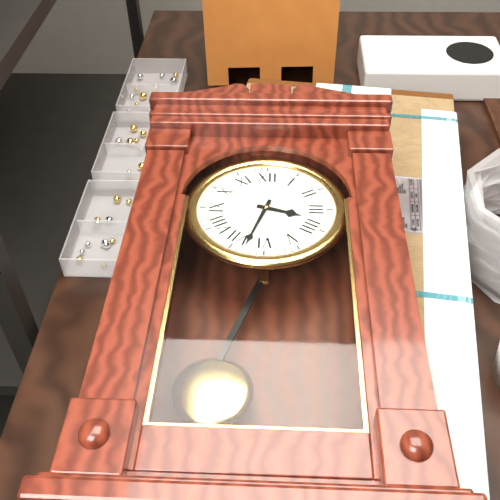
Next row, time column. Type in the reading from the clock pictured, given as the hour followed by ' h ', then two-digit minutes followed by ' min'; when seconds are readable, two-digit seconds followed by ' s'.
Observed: 3 h 33 min
